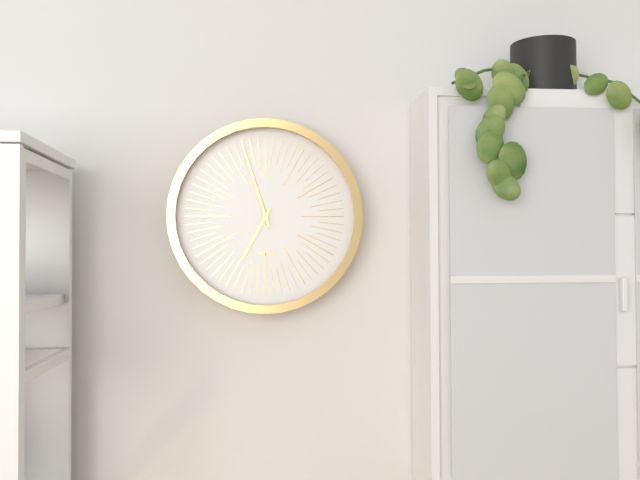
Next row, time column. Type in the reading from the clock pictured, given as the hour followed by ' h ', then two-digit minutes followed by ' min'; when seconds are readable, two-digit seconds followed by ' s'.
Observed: 6 h 57 min
